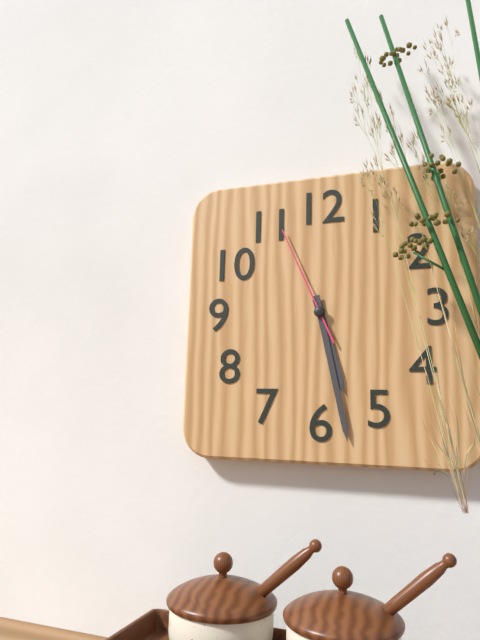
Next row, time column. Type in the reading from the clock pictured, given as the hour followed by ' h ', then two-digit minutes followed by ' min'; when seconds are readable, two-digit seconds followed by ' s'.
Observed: 5 h 28 min 56 s
